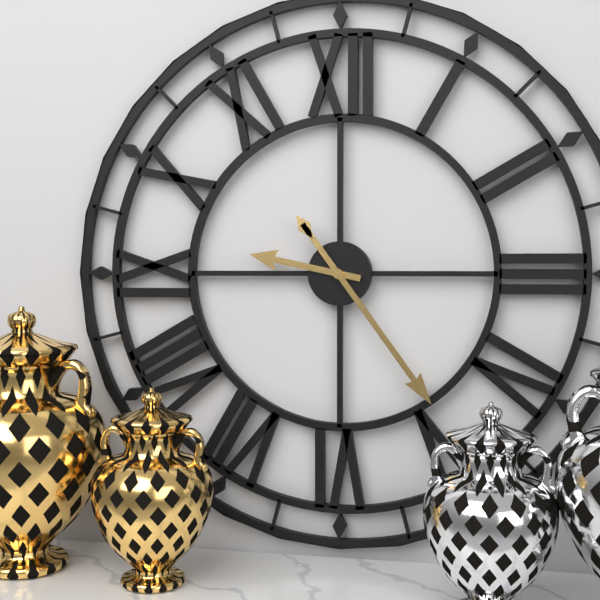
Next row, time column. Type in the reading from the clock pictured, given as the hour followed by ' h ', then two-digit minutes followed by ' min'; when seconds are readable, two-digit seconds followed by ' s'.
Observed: 9 h 24 min
